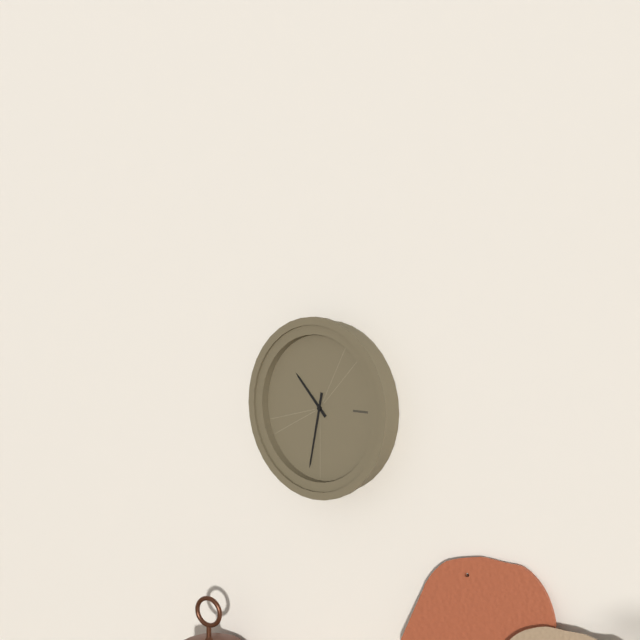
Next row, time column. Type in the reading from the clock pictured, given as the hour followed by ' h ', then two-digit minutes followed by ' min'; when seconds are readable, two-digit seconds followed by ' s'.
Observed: 10 h 32 min
